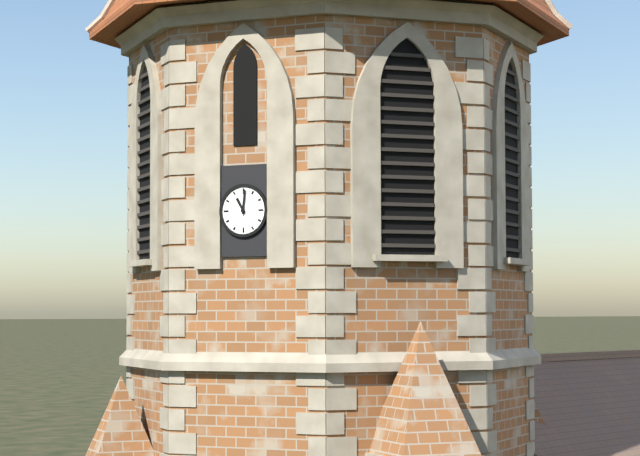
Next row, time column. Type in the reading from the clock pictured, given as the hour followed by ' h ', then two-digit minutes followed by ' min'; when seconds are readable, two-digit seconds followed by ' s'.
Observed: 11 h 01 min
